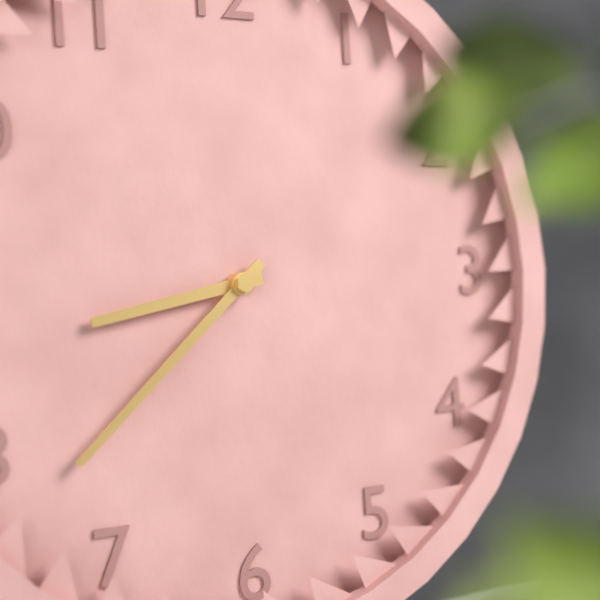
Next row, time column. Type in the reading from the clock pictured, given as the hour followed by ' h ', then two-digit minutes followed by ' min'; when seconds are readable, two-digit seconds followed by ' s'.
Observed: 8 h 38 min
